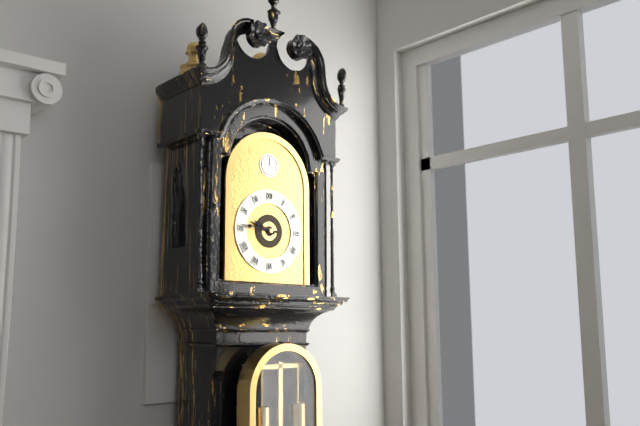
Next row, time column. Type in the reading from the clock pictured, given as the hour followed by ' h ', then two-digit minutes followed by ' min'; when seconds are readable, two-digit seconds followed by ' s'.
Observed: 9 h 46 min
